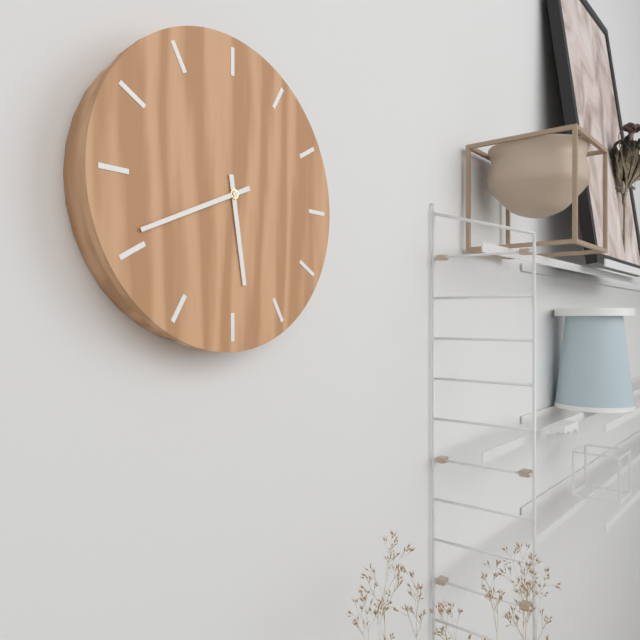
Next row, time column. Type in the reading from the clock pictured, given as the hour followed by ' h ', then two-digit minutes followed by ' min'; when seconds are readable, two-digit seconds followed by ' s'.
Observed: 5 h 41 min
